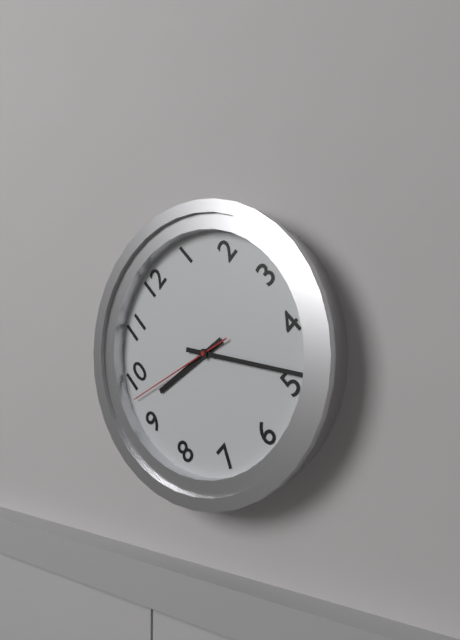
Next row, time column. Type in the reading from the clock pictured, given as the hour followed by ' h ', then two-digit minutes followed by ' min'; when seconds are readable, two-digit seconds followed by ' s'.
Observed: 9 h 24 min 48 s
